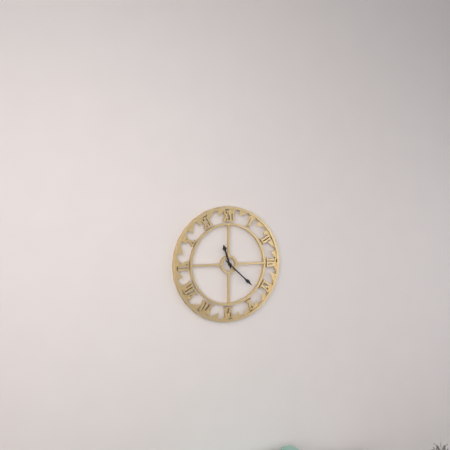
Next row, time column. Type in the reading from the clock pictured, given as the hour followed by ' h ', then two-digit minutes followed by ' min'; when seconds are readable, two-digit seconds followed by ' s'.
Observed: 11 h 22 min
